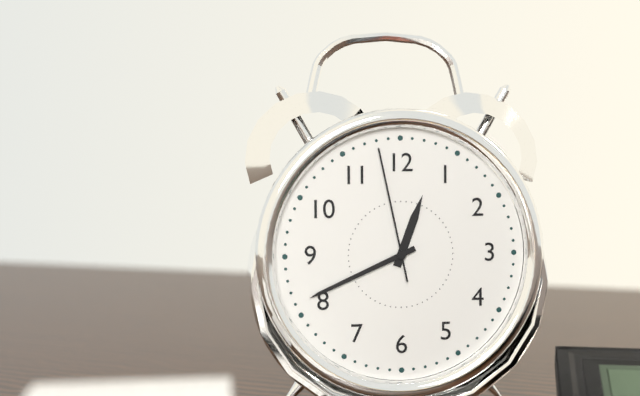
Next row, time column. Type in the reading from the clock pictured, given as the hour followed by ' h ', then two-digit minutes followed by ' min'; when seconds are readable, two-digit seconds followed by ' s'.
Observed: 12 h 41 min 58 s
